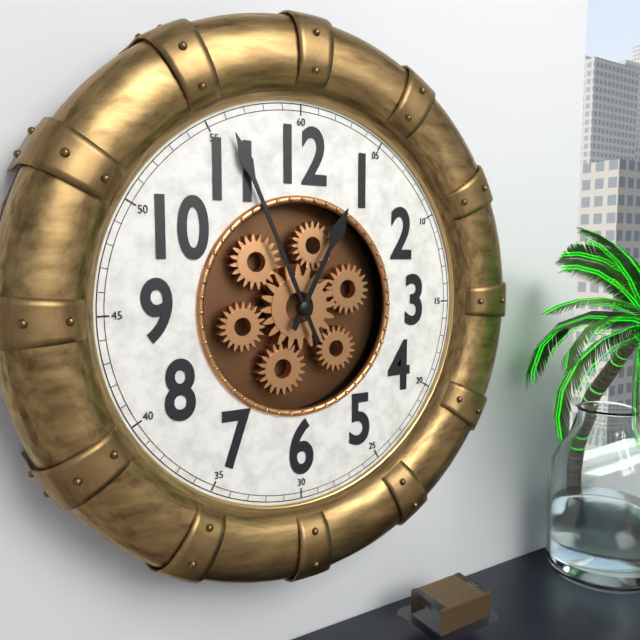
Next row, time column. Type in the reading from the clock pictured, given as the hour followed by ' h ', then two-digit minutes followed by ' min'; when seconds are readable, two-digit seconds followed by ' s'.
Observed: 12 h 56 min
